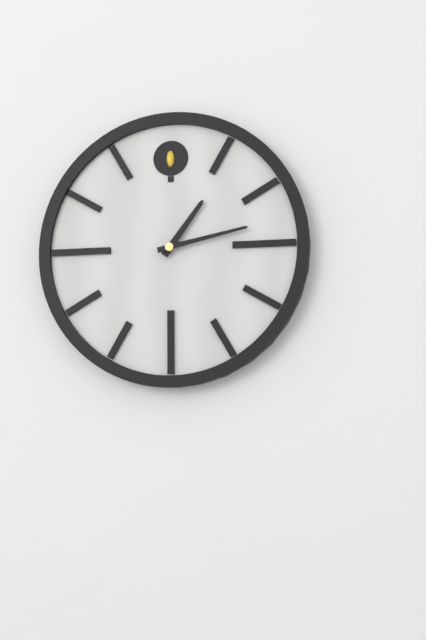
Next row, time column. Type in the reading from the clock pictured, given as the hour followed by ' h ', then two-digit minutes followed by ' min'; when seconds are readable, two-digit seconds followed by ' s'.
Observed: 1 h 13 min
